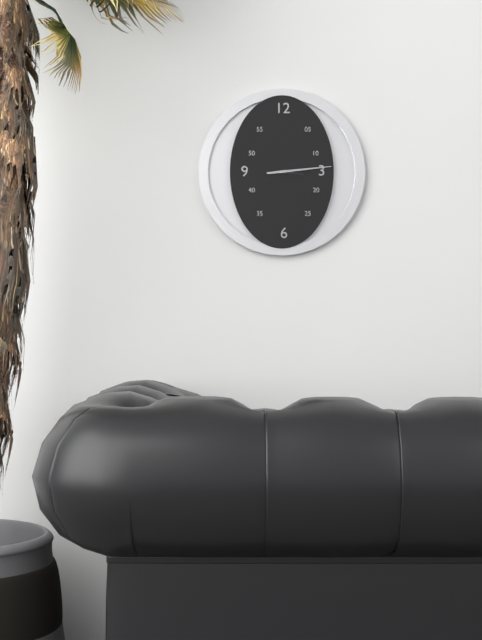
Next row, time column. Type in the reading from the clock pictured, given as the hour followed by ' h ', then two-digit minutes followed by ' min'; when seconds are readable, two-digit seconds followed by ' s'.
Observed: 3 h 14 min
